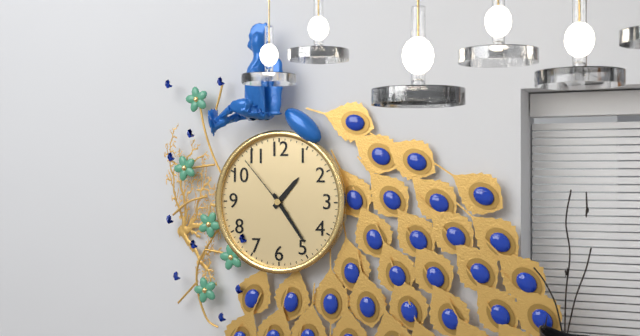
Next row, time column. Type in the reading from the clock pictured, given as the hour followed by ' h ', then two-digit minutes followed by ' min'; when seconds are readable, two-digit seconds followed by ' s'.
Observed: 1 h 24 min 53 s
